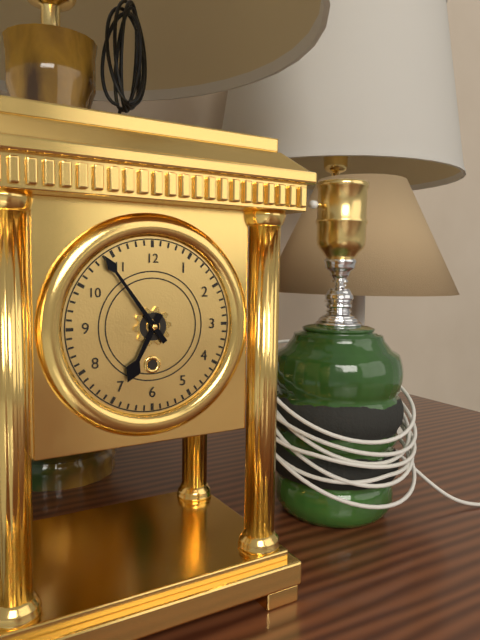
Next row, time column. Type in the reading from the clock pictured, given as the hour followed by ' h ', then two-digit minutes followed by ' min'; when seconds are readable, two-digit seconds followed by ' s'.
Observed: 6 h 54 min
